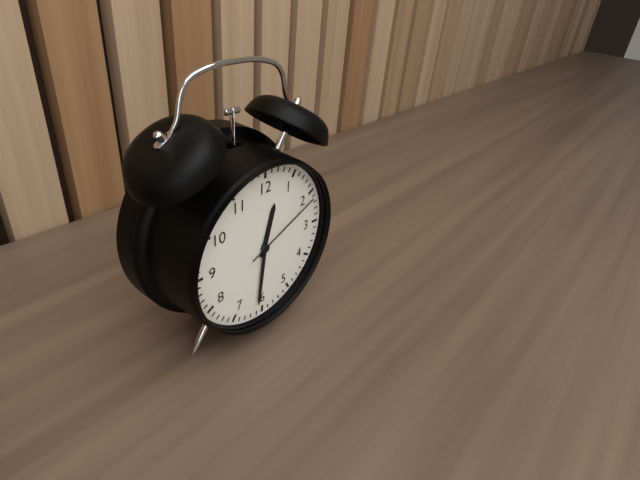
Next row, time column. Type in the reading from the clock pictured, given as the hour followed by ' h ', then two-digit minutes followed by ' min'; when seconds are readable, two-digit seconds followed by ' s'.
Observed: 12 h 31 min 11 s
